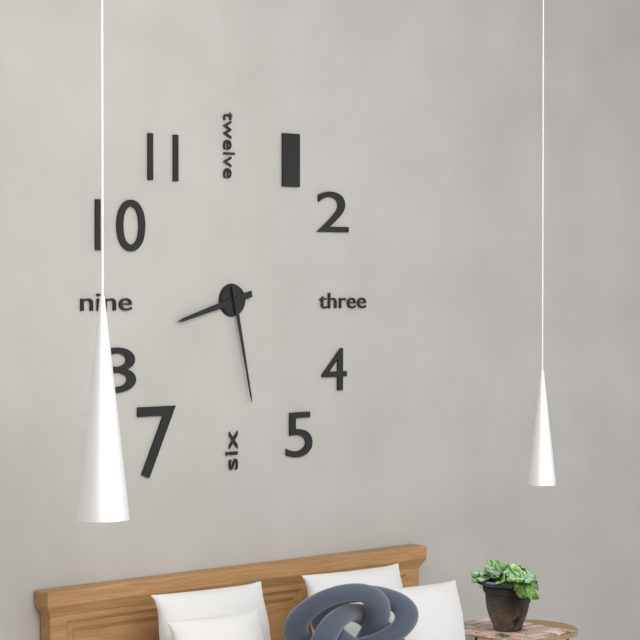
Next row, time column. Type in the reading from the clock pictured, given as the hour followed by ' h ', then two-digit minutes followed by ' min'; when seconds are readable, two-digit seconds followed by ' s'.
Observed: 8 h 28 min
